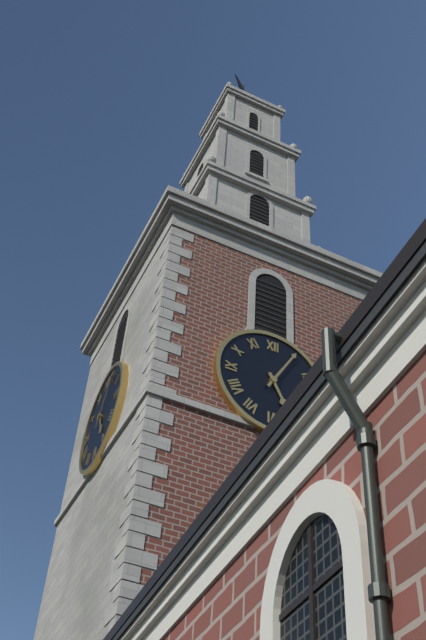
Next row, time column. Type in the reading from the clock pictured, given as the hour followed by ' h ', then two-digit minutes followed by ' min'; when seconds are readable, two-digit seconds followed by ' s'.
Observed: 5 h 05 min
